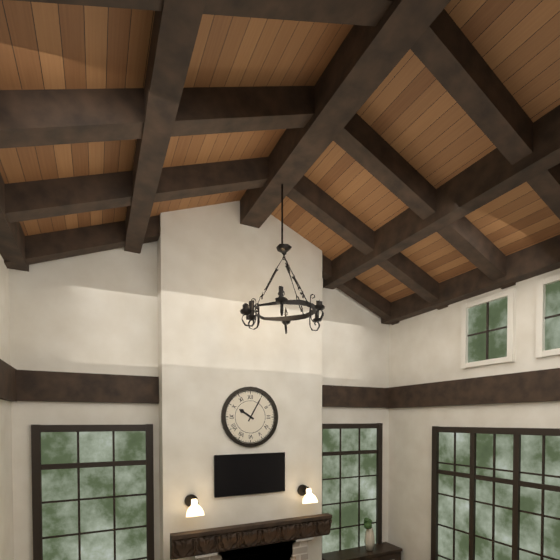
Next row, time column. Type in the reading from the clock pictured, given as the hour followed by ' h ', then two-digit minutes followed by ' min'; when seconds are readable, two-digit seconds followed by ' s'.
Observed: 10 h 05 min
